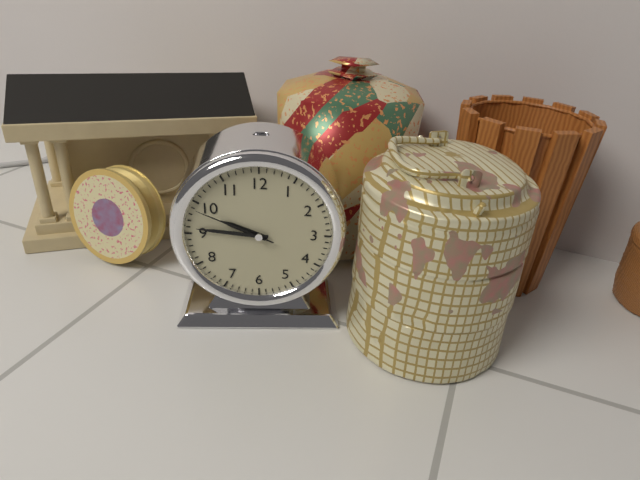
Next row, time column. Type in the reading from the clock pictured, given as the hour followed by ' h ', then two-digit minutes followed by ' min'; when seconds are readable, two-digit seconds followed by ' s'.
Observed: 9 h 46 min 49 s
